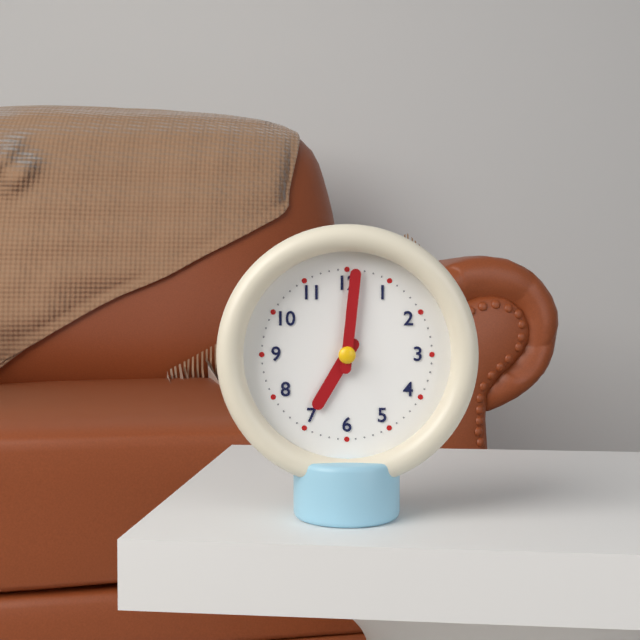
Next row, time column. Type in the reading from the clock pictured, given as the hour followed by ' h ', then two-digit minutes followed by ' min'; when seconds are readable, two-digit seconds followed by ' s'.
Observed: 7 h 01 min
